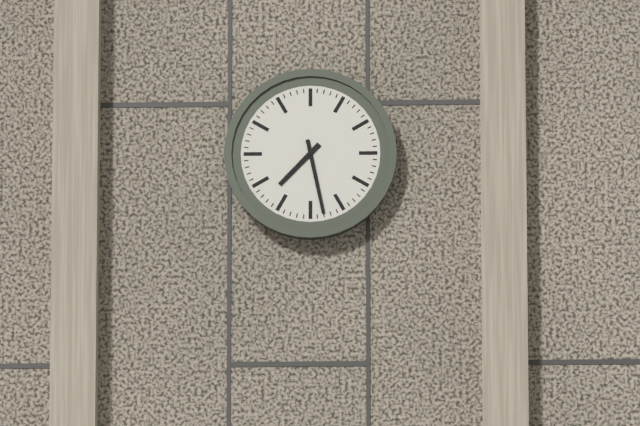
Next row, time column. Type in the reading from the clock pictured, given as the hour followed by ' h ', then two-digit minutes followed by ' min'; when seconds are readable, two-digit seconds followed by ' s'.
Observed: 7 h 28 min
